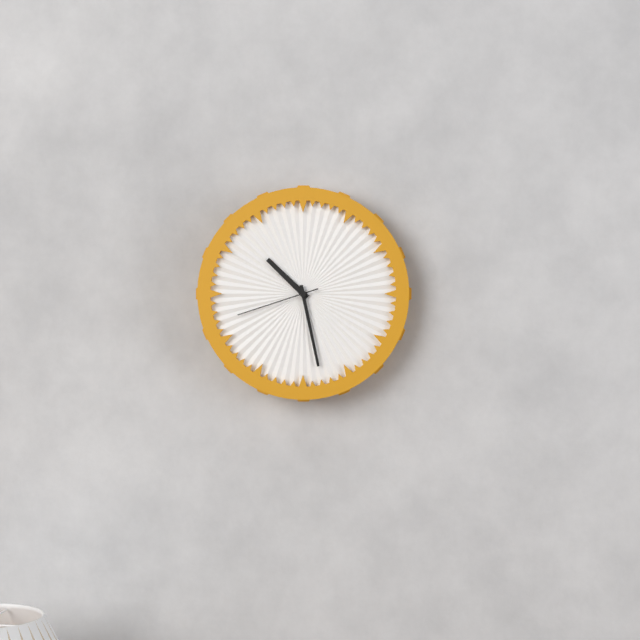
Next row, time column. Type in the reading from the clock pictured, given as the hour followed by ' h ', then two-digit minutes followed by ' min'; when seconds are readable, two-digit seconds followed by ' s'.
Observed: 10 h 28 min 42 s
